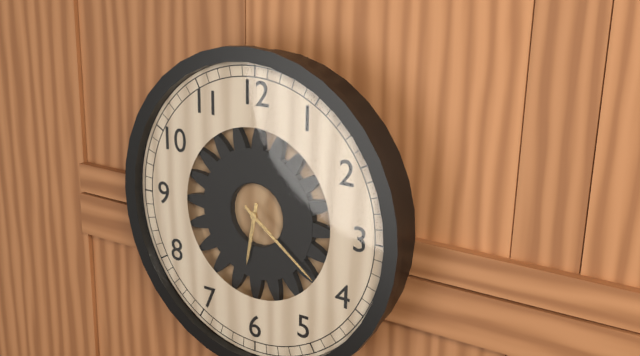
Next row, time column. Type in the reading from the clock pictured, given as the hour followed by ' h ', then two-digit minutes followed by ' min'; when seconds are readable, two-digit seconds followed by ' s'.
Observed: 6 h 21 min
